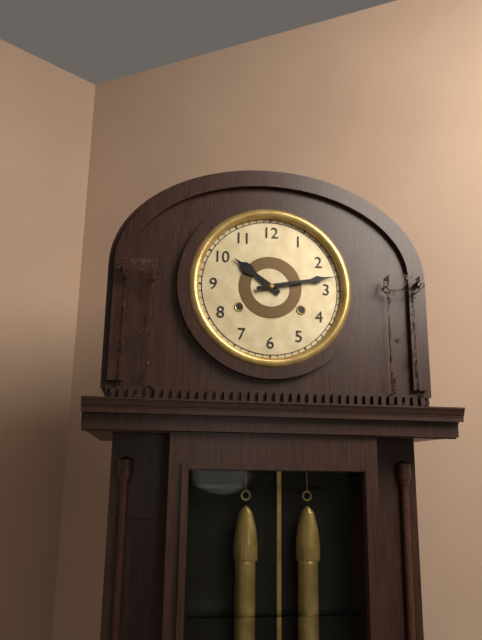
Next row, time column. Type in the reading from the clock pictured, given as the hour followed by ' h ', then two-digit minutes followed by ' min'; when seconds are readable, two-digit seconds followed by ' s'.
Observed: 10 h 13 min
